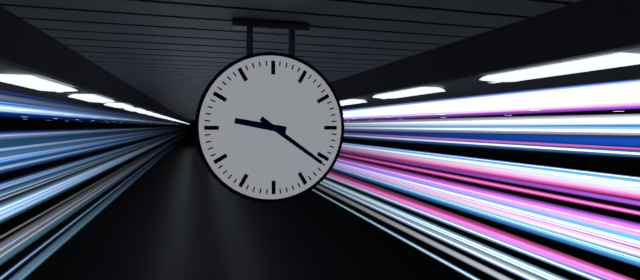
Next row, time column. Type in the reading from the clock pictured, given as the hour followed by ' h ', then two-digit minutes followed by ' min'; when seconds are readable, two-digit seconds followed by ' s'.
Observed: 9 h 21 min
